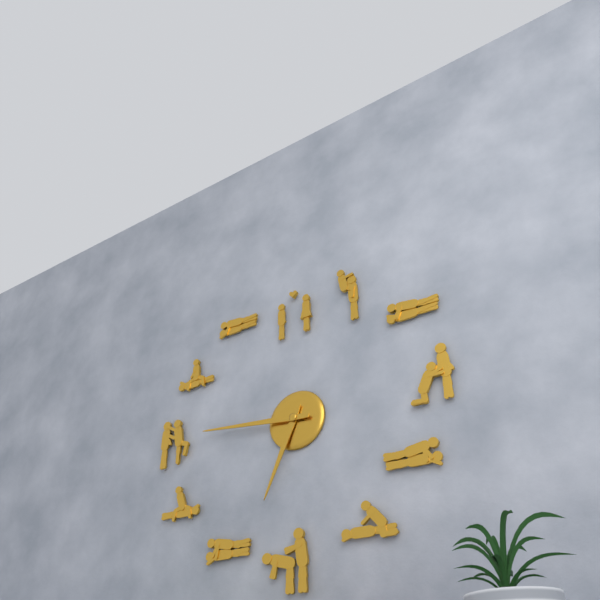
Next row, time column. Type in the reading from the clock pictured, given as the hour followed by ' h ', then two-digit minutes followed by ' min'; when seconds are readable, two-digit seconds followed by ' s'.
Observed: 6 h 46 min
